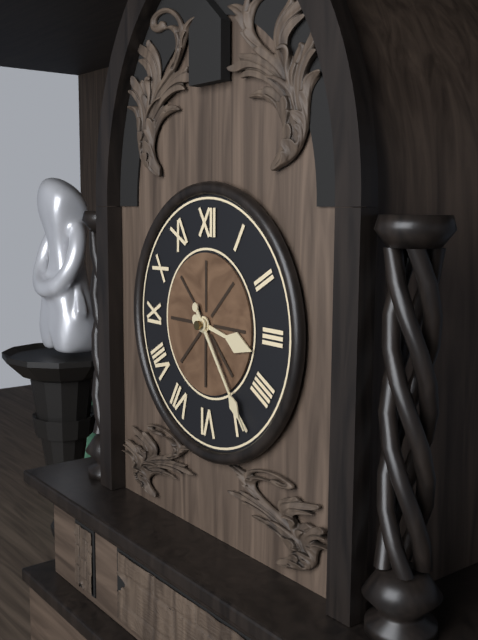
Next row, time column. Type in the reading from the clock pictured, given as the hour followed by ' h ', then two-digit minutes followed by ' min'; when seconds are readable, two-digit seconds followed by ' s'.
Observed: 3 h 24 min
